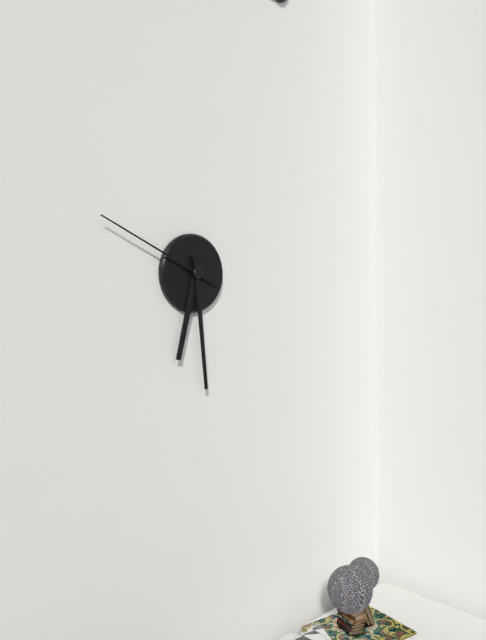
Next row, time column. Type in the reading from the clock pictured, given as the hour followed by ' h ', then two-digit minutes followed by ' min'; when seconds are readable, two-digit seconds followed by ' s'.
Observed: 6 h 29 min 49 s
